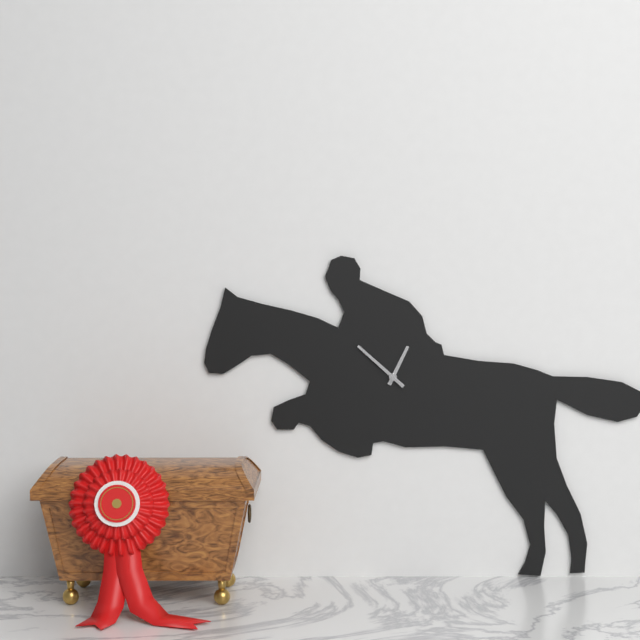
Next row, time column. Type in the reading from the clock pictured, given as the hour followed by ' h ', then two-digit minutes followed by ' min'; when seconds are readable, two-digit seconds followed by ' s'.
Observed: 12 h 52 min
